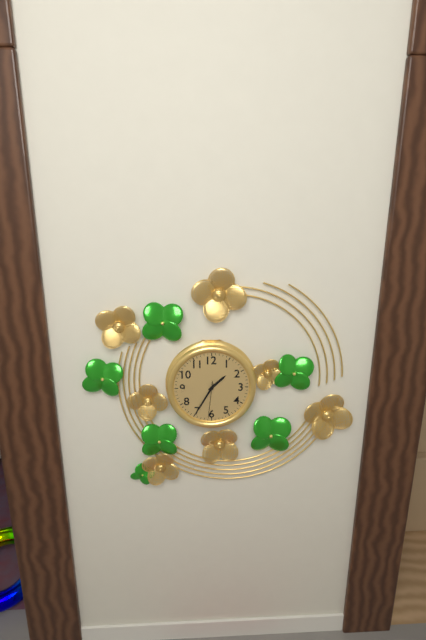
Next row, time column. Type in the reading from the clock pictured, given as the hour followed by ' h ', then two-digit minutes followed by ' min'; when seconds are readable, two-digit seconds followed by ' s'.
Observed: 1 h 35 min
